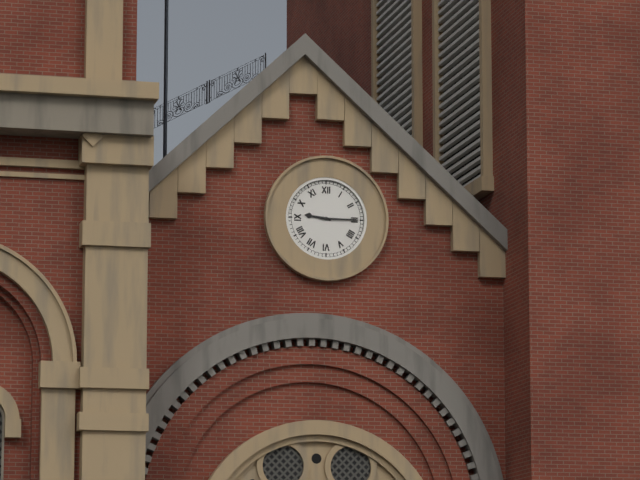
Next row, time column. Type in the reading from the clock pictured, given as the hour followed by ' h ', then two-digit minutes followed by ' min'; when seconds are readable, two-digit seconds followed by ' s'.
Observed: 9 h 15 min
